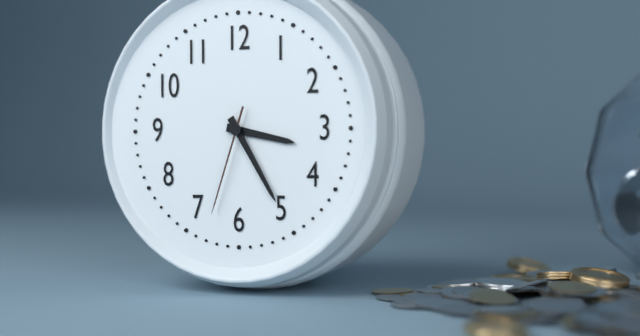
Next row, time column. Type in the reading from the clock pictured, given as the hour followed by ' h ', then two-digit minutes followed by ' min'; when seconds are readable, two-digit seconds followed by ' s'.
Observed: 3 h 25 min 33 s
